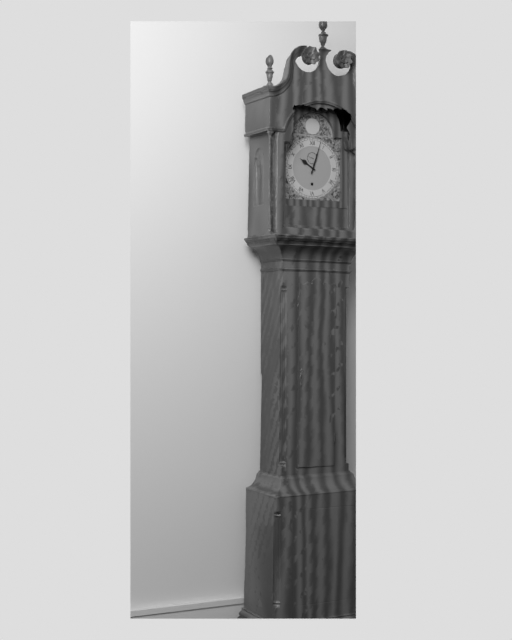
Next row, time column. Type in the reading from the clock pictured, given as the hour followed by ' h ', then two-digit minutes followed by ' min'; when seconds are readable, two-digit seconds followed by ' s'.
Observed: 10 h 03 min
